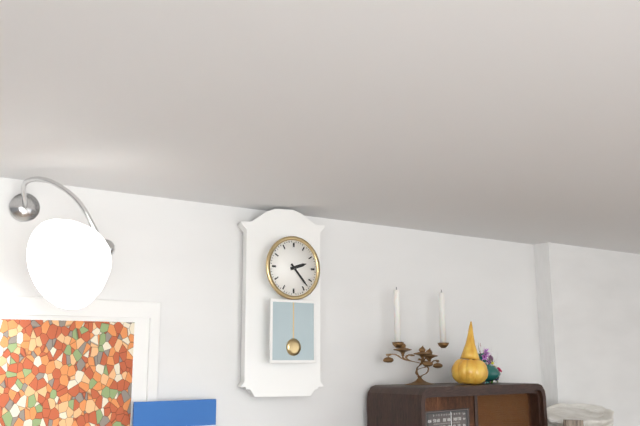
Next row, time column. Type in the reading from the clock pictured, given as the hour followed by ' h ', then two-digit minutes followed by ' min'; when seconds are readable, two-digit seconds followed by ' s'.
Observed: 2 h 23 min
